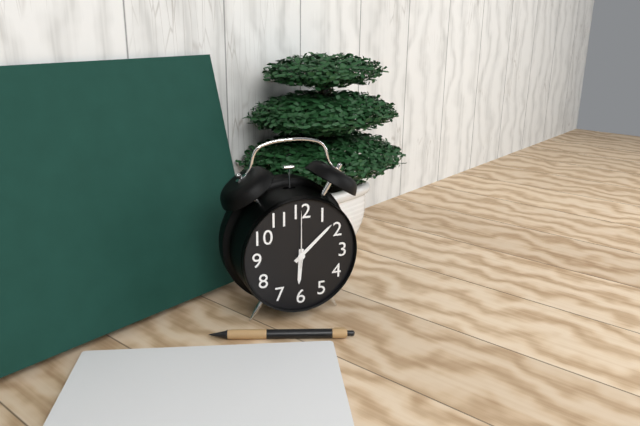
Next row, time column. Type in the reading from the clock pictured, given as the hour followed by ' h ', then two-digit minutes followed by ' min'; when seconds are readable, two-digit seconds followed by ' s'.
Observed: 6 h 08 min 00 s
